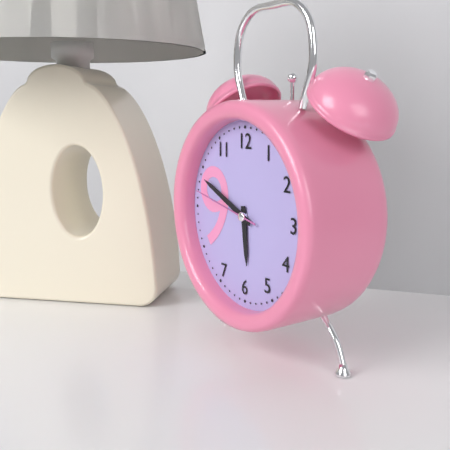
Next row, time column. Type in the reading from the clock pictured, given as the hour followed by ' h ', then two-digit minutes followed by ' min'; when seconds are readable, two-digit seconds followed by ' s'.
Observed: 5 h 49 min 47 s
